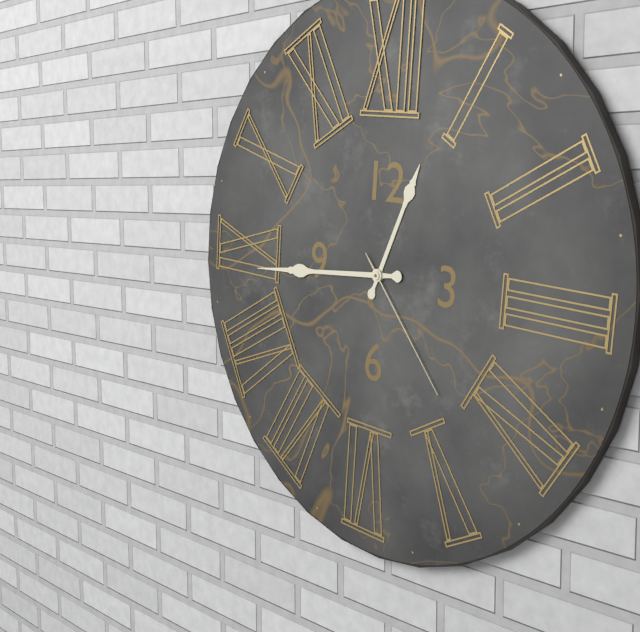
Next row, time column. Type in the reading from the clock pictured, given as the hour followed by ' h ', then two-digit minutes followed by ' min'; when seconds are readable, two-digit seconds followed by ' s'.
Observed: 12 h 44 min 23 s
